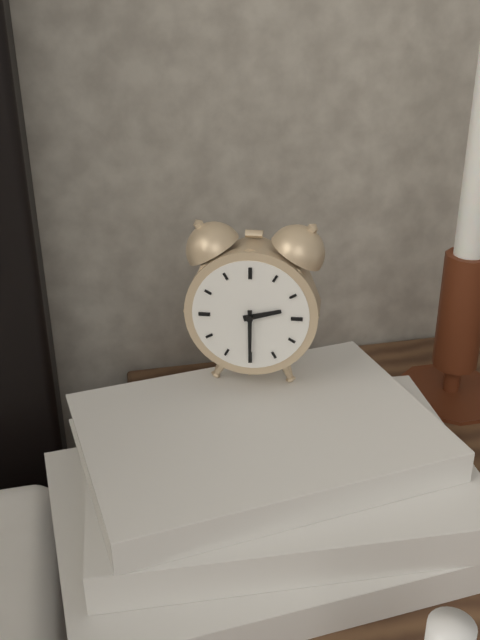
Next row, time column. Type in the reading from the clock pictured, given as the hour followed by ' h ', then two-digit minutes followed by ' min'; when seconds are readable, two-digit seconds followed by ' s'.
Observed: 2 h 30 min
